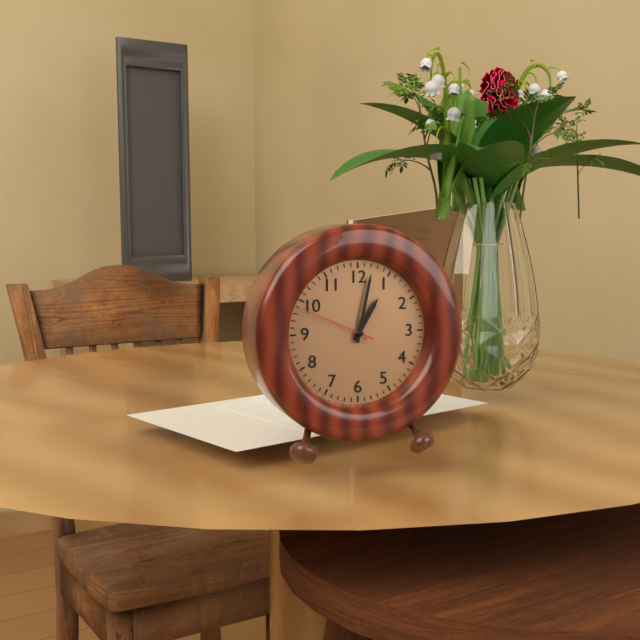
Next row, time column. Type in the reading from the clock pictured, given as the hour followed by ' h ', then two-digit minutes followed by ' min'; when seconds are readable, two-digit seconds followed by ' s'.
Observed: 1 h 02 min 49 s
